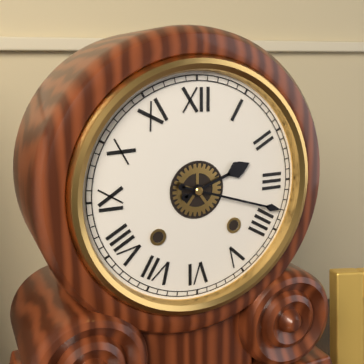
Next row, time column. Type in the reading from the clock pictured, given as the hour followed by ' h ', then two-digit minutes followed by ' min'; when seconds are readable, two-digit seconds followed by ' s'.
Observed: 2 h 18 min
